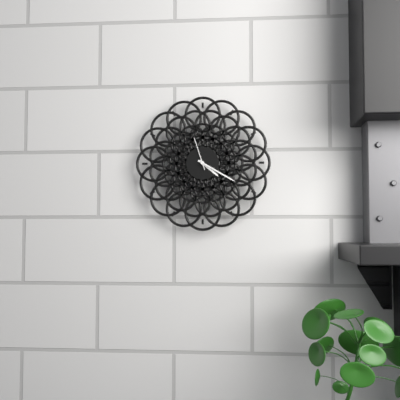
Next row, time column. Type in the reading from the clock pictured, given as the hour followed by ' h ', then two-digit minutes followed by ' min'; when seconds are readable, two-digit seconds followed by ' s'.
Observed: 4 h 20 min
